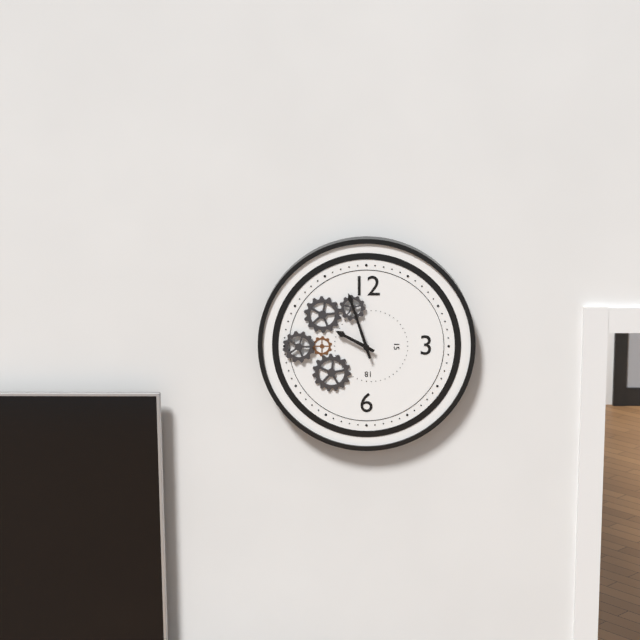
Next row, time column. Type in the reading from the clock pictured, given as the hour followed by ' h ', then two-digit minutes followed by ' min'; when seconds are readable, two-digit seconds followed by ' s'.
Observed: 9 h 57 min
